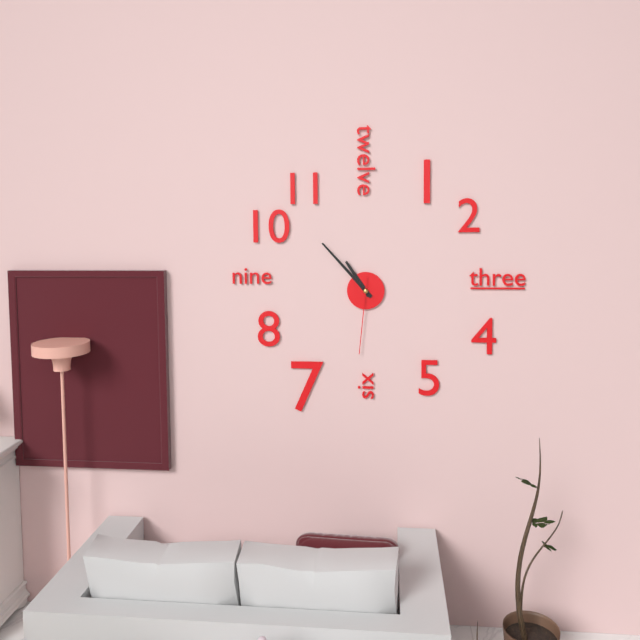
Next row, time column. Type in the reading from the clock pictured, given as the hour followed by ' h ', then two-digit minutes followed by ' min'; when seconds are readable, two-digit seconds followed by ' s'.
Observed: 10 h 53 min 31 s
